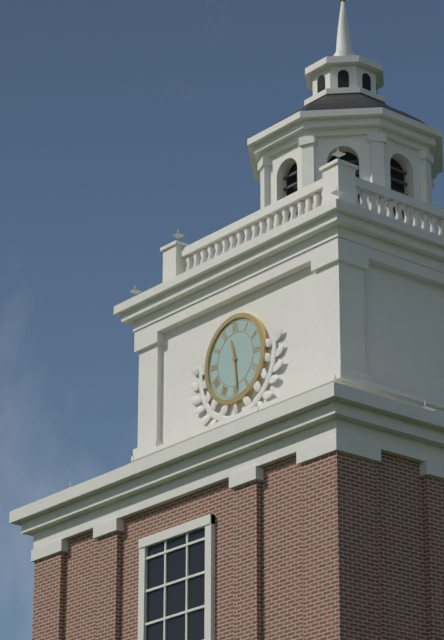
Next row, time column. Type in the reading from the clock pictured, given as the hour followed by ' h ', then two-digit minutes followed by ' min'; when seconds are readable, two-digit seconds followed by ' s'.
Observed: 11 h 29 min
